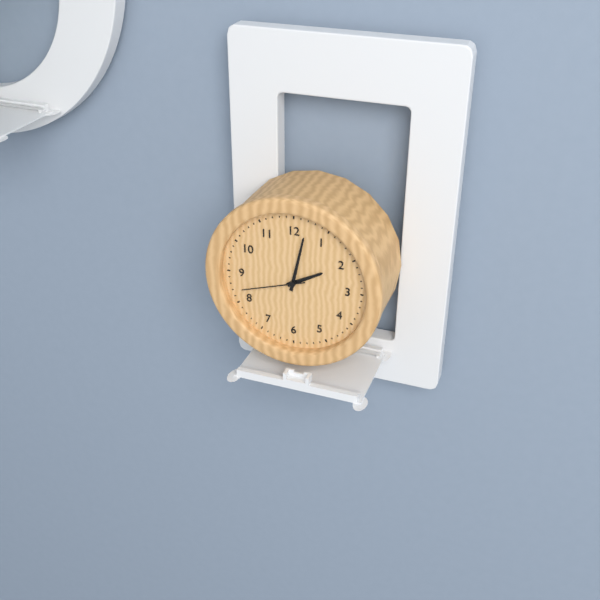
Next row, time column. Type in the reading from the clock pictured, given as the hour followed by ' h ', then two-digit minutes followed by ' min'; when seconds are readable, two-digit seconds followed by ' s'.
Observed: 2 h 02 min 42 s
